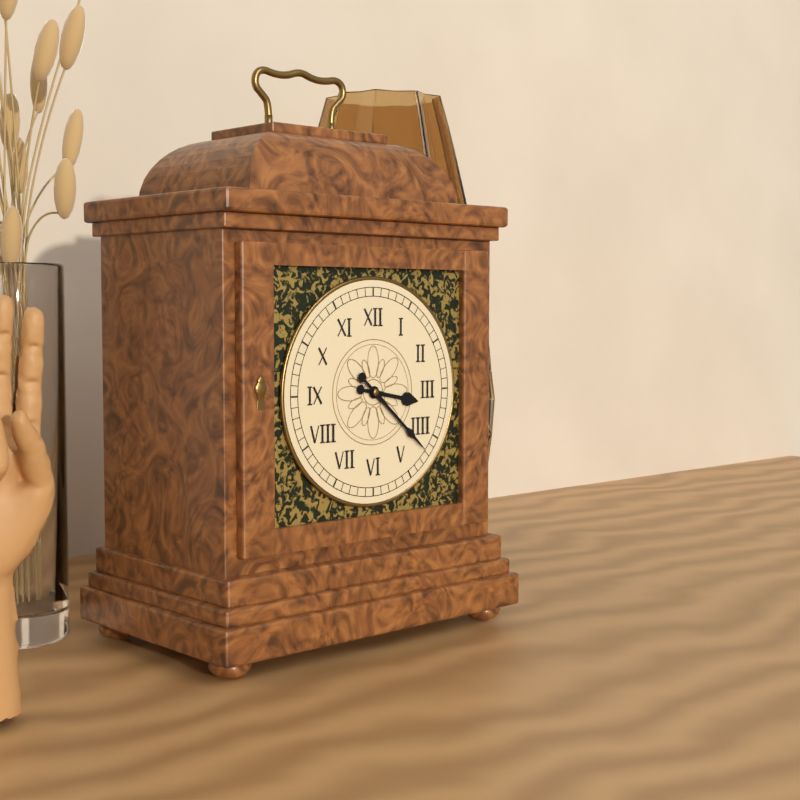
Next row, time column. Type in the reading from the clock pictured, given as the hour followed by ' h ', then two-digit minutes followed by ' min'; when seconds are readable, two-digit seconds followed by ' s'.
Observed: 3 h 22 min
